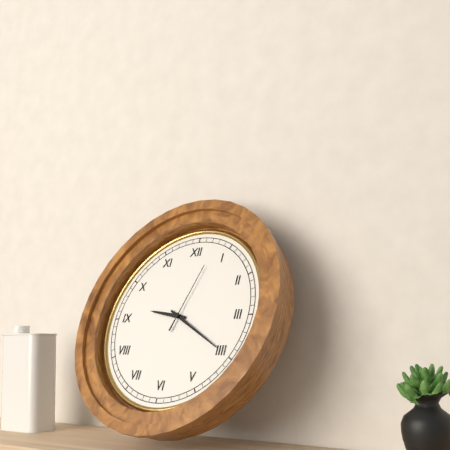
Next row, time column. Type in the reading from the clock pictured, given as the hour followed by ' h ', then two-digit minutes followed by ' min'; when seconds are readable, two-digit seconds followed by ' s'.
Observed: 9 h 20 min 03 s
